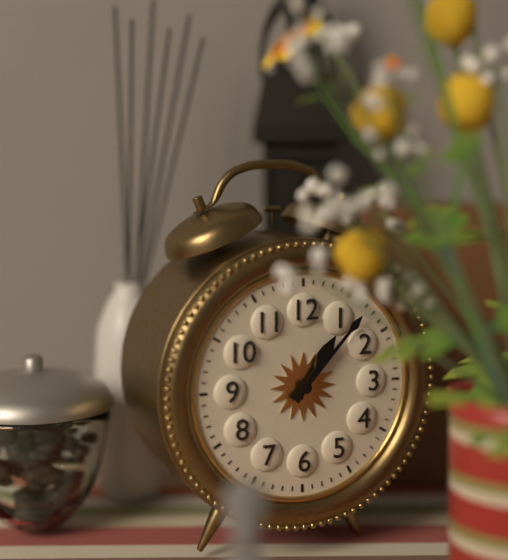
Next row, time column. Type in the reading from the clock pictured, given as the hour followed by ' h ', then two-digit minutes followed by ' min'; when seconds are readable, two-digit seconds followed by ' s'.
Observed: 1 h 07 min
